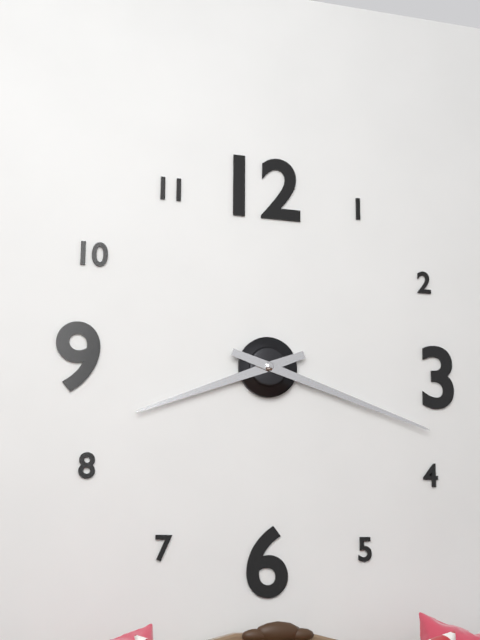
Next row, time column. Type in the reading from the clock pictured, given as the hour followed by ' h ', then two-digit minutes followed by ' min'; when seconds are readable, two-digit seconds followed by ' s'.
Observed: 8 h 18 min
